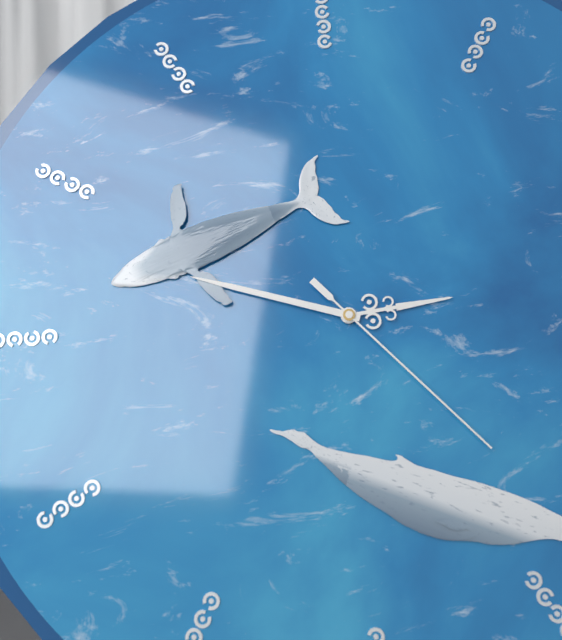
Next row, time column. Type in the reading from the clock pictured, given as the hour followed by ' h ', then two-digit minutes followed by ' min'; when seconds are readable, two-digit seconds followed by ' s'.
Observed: 2 h 48 min 23 s
